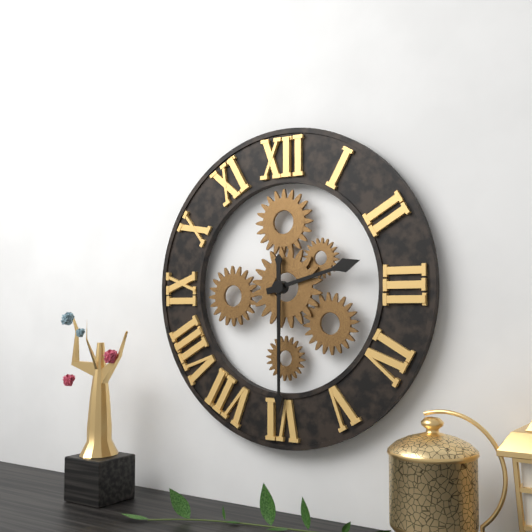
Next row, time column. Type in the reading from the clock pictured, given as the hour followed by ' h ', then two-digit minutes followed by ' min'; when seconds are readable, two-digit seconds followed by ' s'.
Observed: 2 h 30 min
